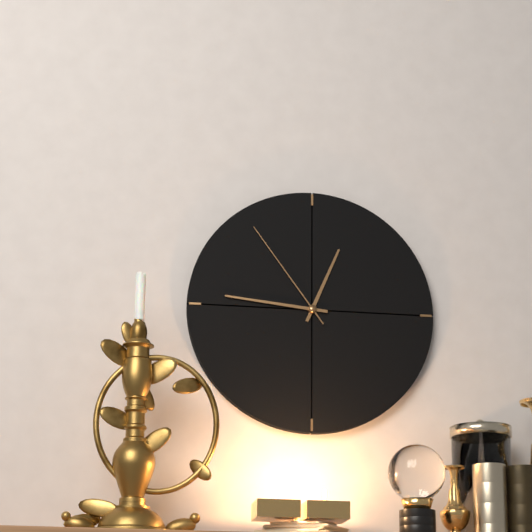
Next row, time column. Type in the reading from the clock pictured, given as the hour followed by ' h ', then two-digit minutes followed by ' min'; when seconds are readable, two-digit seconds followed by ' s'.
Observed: 12 h 46 min 54 s
